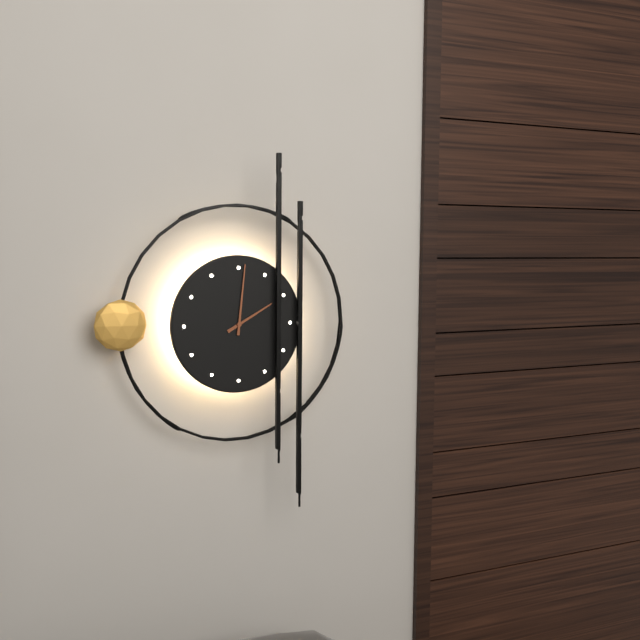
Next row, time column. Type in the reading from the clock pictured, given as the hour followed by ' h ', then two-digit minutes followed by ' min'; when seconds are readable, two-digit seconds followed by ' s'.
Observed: 2 h 01 min
